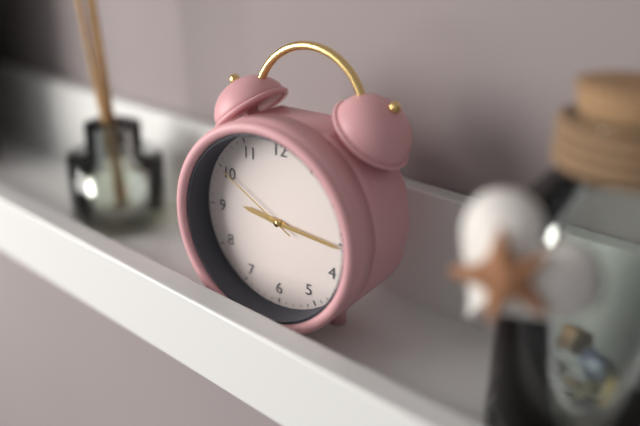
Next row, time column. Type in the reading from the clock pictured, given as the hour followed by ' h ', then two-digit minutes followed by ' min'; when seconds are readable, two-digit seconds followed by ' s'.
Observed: 9 h 16 min 50 s
